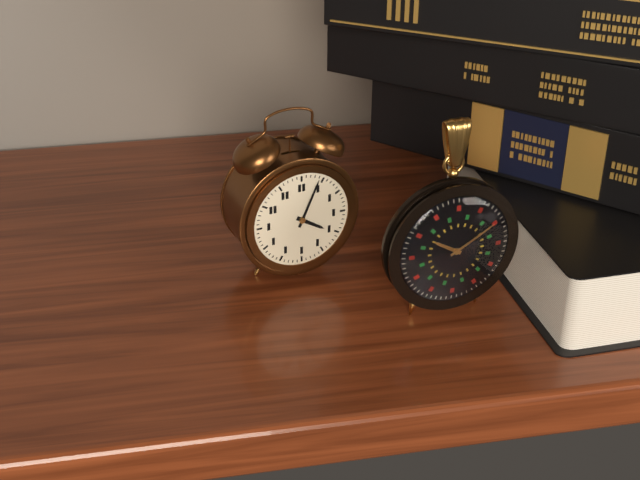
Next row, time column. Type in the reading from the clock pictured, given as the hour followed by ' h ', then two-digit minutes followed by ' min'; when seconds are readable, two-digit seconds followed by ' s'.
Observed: 4 h 04 min
